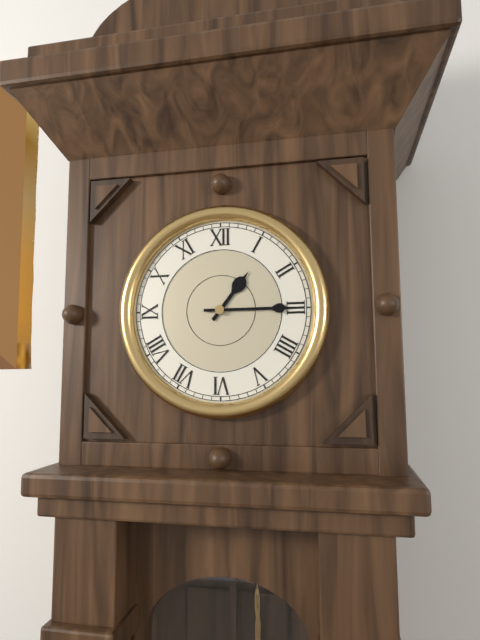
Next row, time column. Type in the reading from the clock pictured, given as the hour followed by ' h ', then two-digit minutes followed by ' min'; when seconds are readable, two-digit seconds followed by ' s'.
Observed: 1 h 15 min
